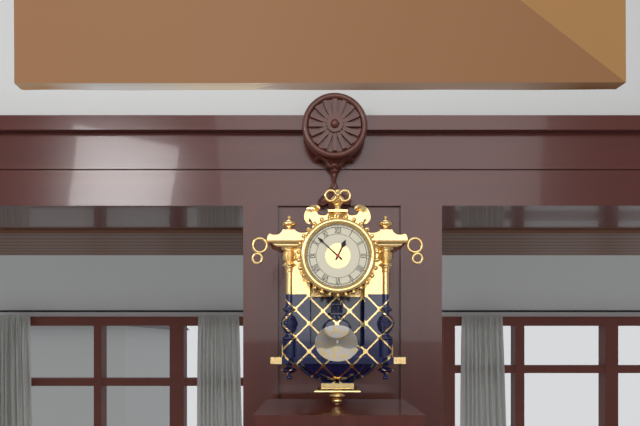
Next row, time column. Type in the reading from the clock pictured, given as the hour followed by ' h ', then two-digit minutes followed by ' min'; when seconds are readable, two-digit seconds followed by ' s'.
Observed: 12 h 52 min
